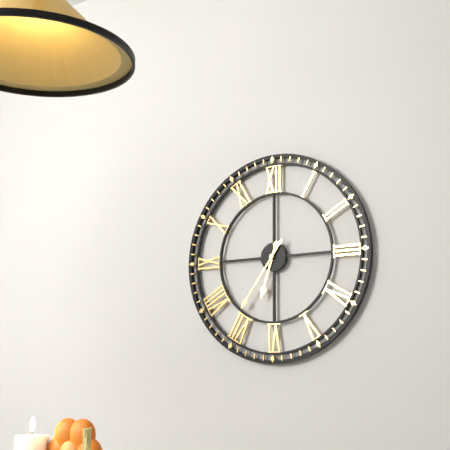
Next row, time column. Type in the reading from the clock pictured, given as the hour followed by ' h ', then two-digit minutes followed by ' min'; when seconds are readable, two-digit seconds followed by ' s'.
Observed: 6 h 36 min
